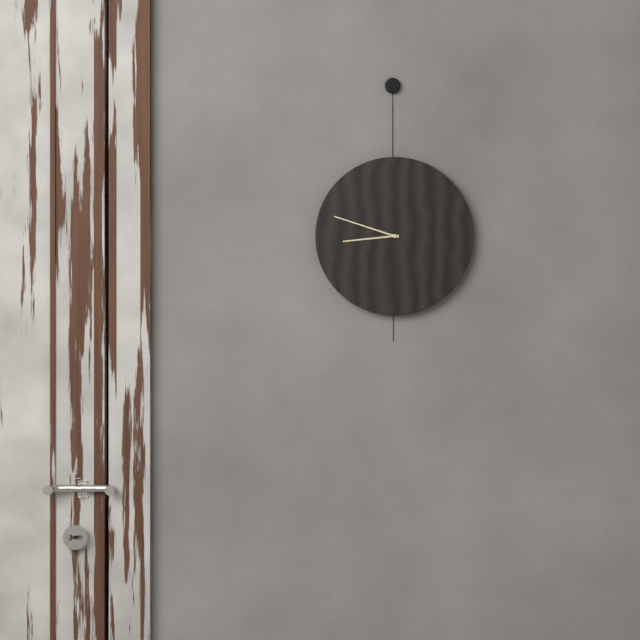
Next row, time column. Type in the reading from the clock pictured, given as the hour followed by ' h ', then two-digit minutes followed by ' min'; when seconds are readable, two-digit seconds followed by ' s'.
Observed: 8 h 48 min
